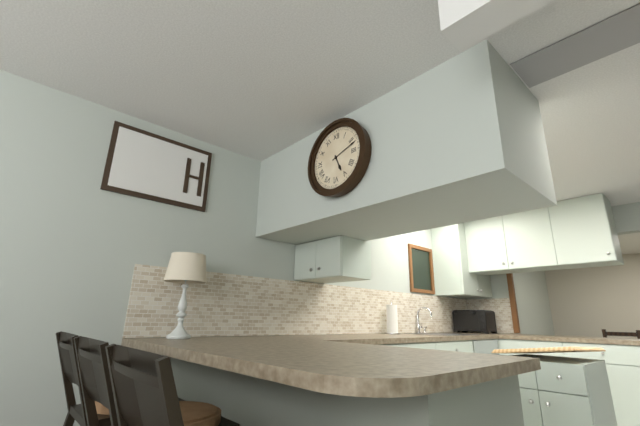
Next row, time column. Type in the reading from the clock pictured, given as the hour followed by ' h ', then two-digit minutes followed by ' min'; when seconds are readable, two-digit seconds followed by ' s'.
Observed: 5 h 12 min
